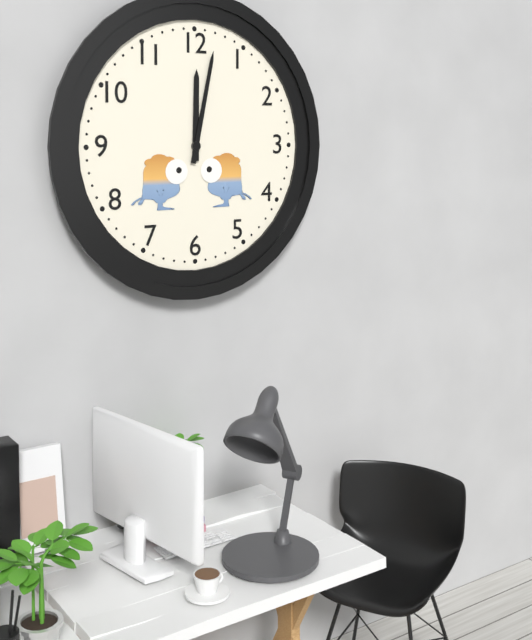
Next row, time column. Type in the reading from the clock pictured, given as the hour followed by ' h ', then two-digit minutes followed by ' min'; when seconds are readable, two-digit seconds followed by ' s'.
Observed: 12 h 02 min
